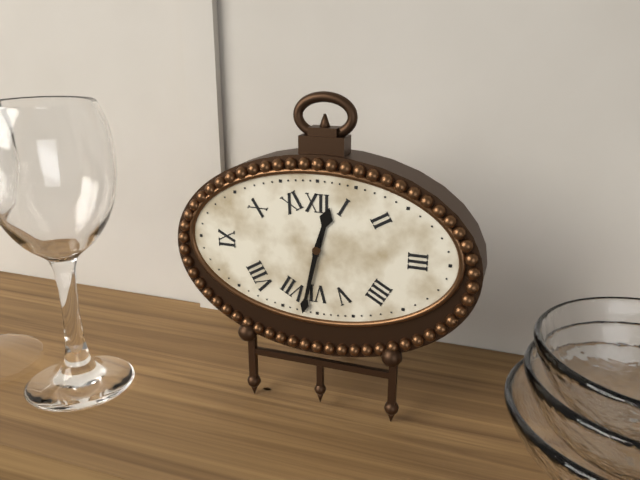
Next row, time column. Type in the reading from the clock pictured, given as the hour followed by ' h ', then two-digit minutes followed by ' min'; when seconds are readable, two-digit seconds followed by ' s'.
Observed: 12 h 32 min
